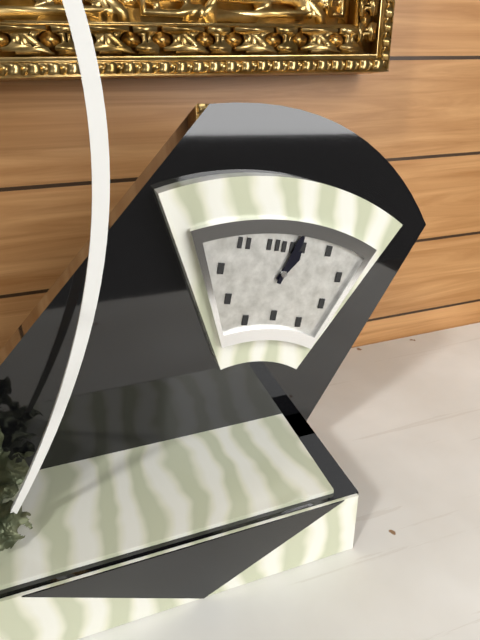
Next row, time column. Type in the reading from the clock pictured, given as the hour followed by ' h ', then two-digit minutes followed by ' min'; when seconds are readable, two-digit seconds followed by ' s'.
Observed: 1 h 03 min
